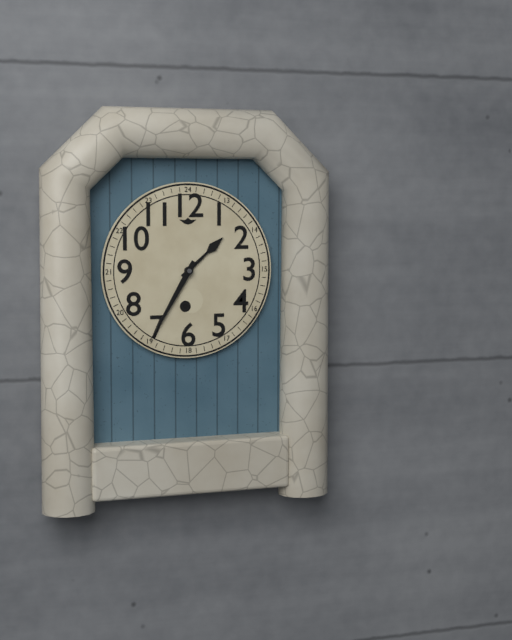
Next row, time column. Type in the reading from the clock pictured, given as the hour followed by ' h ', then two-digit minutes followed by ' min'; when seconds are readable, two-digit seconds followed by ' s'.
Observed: 1 h 35 min
